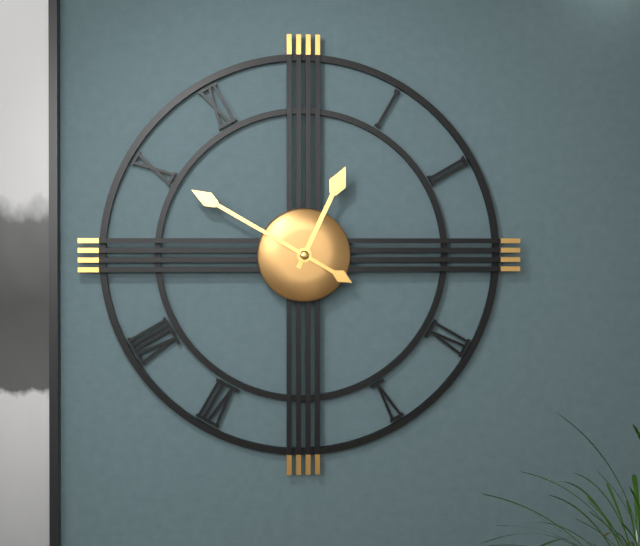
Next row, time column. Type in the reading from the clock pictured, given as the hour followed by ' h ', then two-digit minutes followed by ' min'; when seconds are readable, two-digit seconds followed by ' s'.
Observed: 12 h 50 min
